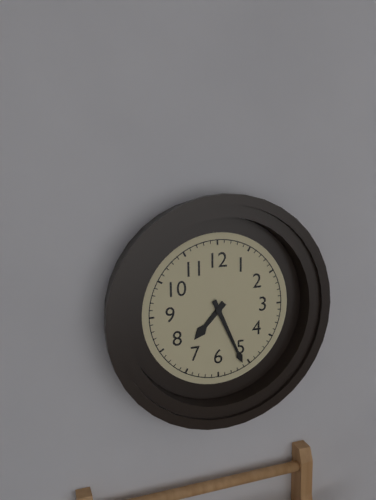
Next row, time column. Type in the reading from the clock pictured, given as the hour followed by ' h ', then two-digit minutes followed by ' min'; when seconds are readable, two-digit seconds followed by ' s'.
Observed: 7 h 26 min
